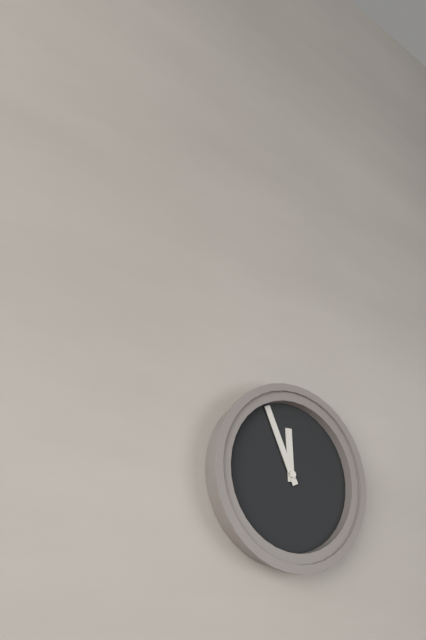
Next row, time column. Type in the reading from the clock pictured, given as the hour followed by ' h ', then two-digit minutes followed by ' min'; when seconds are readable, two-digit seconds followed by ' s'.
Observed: 11 h 56 min
